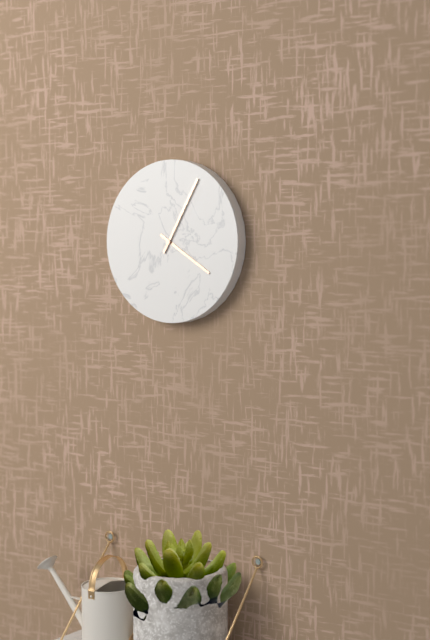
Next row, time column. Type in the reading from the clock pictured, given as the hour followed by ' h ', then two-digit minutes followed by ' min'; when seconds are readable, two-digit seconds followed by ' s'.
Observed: 4 h 05 min
